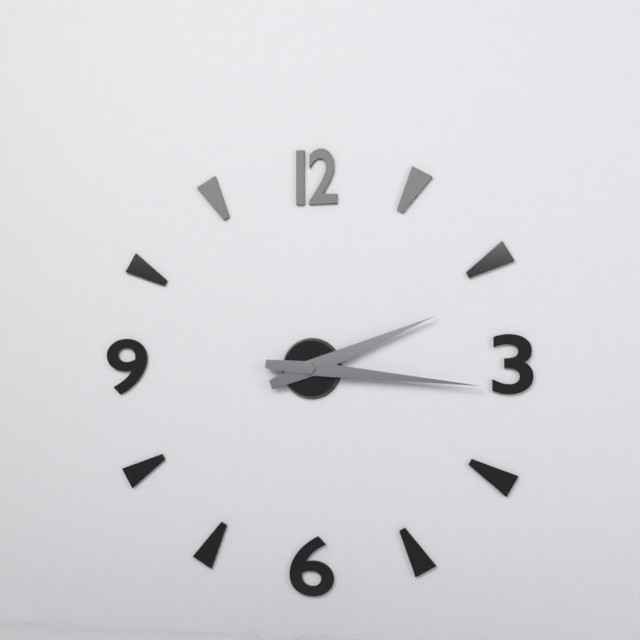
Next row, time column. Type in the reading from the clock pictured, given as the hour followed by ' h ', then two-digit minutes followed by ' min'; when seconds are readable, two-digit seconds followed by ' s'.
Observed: 2 h 16 min
